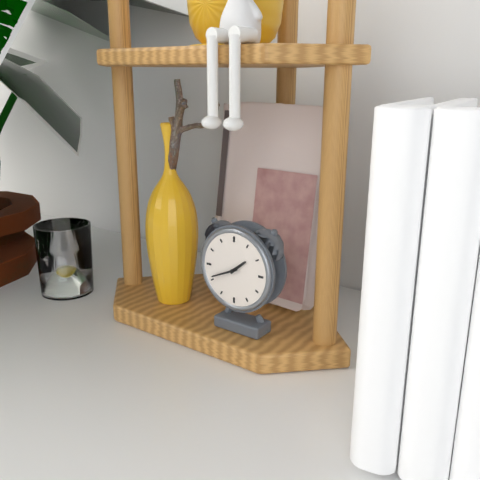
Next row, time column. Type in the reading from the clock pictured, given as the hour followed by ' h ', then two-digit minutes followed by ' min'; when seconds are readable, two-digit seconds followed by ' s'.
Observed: 1 h 41 min
